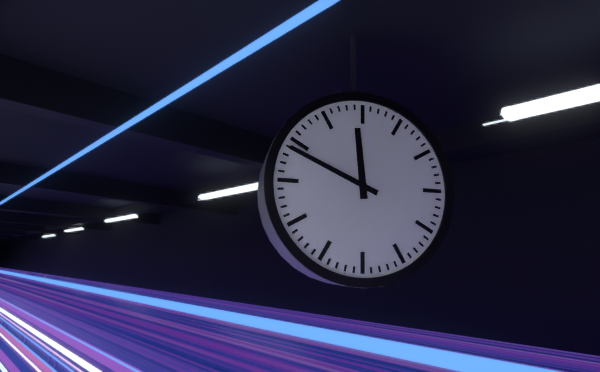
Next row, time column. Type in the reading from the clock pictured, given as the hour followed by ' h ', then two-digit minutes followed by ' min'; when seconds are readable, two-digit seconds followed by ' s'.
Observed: 11 h 49 min
